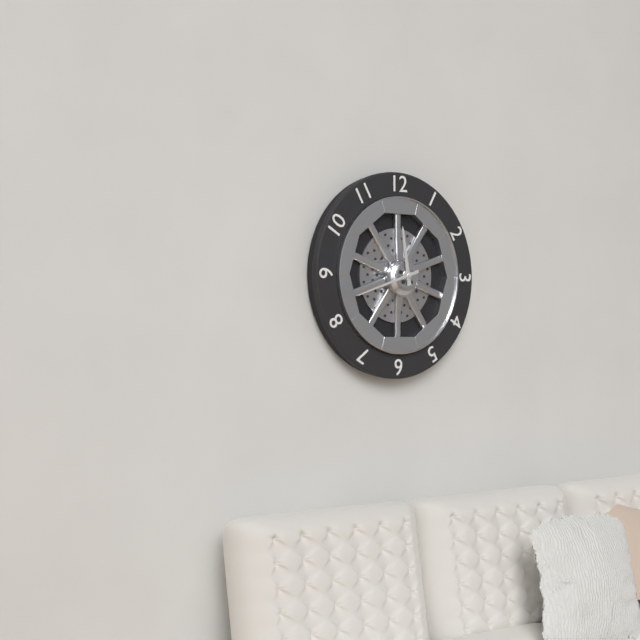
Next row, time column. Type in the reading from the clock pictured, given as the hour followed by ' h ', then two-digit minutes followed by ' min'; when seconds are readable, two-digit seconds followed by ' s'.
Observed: 11 h 42 min
